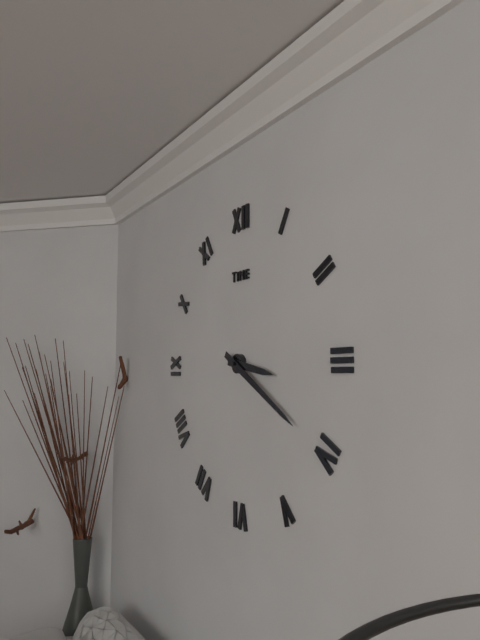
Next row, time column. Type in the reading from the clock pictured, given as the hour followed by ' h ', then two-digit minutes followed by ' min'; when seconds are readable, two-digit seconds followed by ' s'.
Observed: 3 h 20 min
